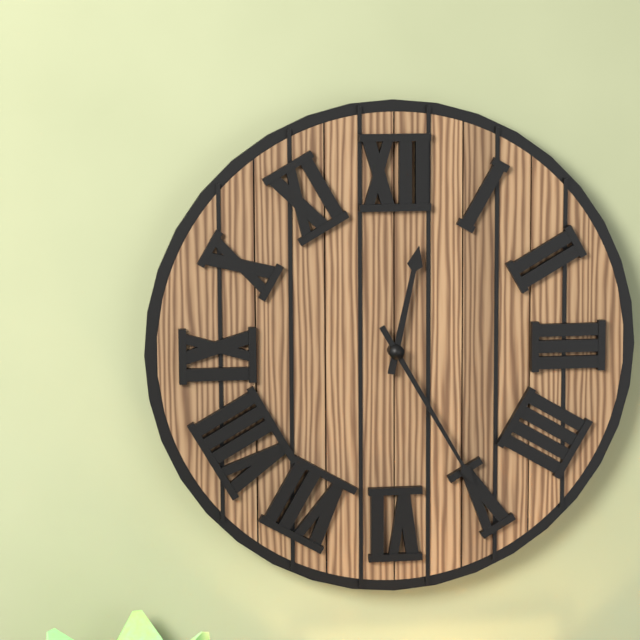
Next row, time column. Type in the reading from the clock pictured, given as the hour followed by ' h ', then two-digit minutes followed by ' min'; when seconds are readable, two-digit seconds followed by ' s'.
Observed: 12 h 25 min
